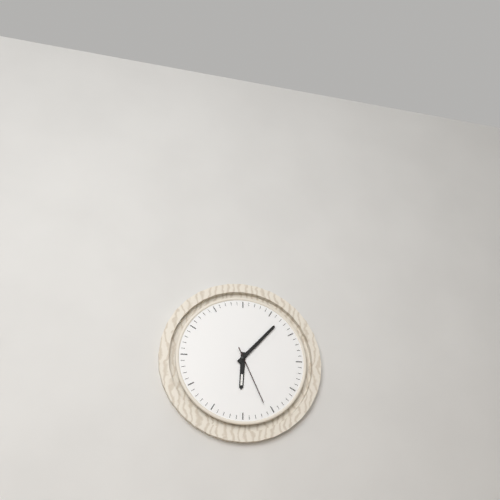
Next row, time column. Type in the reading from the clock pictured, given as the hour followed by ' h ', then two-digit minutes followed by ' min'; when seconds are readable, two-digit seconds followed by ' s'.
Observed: 6 h 07 min 26 s
